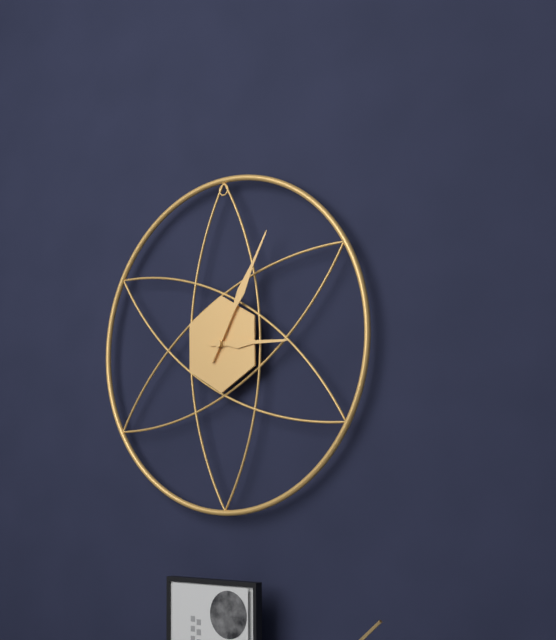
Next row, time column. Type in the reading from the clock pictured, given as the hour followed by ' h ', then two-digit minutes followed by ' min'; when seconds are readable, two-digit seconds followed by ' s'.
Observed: 3 h 05 min
